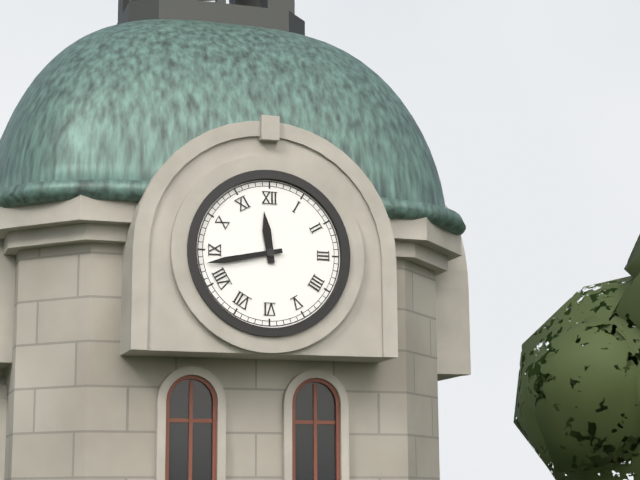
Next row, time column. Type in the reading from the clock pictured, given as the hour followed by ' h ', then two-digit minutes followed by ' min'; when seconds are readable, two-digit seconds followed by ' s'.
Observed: 11 h 43 min
